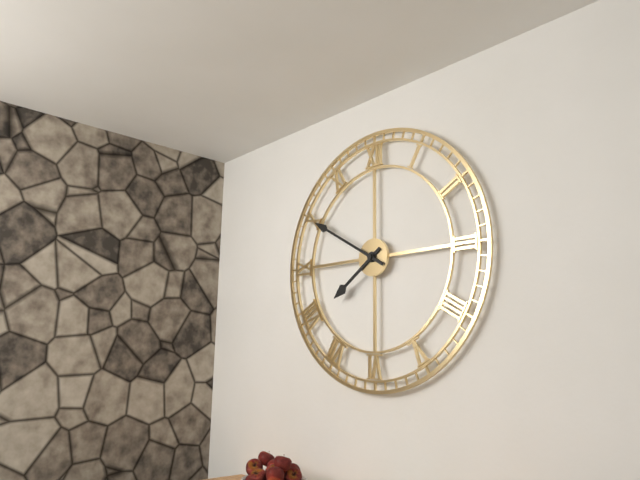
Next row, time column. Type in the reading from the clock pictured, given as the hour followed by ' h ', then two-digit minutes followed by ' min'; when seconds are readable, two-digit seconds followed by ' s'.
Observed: 7 h 50 min
